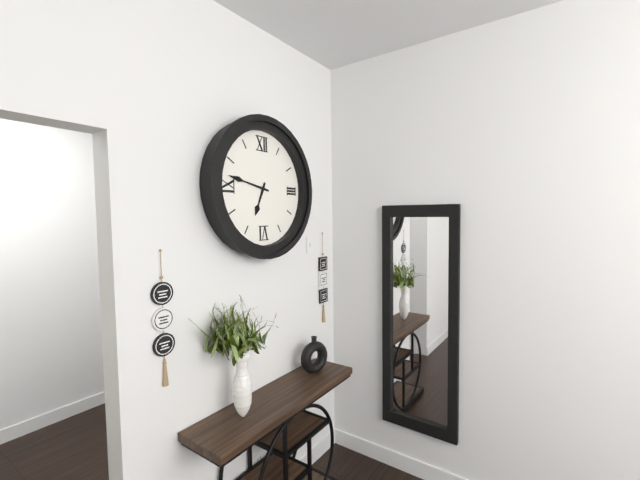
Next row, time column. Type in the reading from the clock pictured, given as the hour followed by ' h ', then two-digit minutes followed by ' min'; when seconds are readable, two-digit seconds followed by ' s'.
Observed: 6 h 47 min
